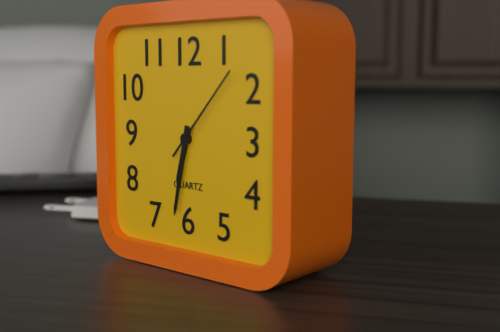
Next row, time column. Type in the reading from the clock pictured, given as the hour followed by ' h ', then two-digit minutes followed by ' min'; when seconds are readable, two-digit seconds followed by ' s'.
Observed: 6 h 32 min 07 s
